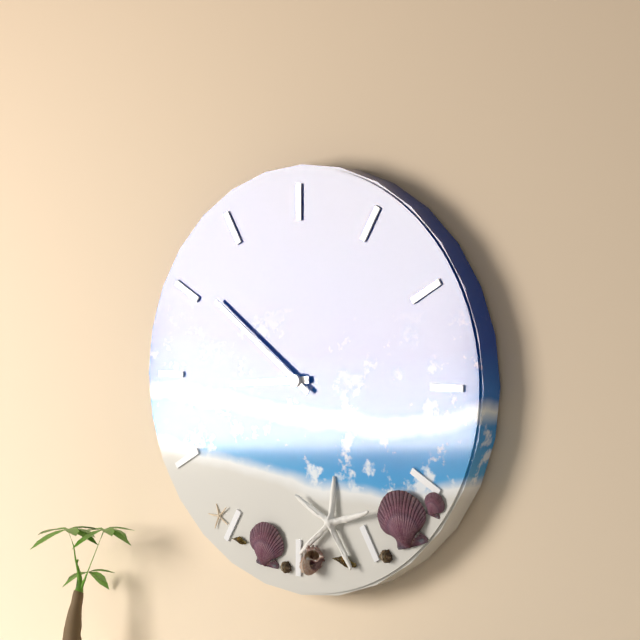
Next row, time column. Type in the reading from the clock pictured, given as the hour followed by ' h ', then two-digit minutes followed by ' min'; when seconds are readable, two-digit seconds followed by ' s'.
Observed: 8 h 51 min
